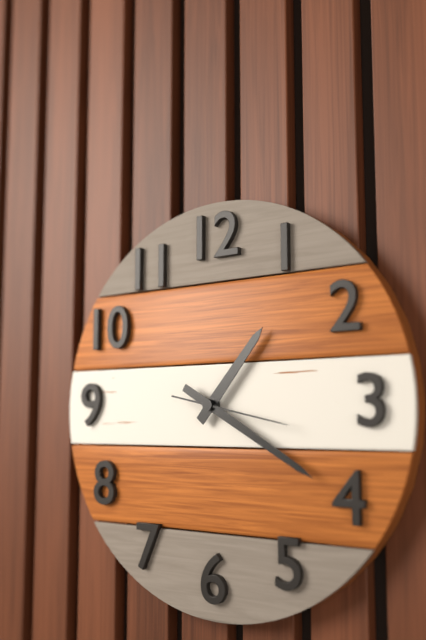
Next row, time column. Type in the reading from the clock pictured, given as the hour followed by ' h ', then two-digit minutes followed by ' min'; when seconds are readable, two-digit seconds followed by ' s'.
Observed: 1 h 20 min 17 s
